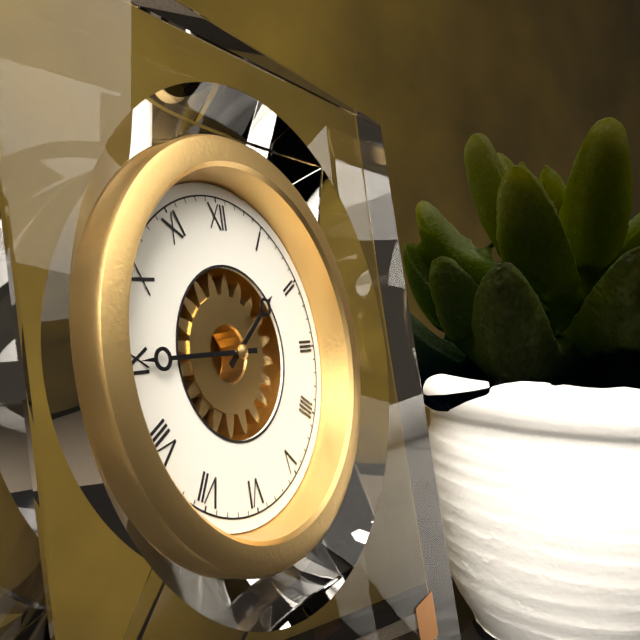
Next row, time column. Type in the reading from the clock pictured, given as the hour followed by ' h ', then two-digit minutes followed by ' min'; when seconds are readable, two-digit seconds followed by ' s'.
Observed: 1 h 45 min
